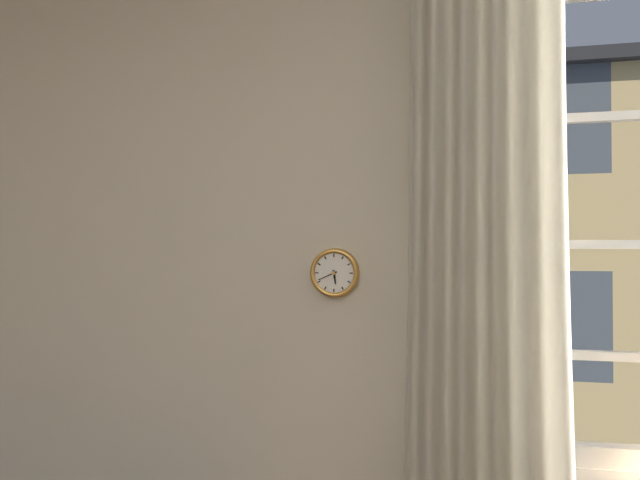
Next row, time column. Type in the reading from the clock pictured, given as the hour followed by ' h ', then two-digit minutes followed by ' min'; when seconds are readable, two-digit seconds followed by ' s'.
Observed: 5 h 41 min
